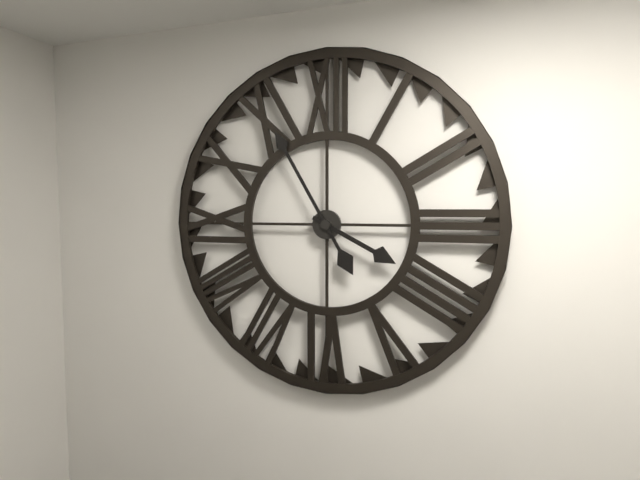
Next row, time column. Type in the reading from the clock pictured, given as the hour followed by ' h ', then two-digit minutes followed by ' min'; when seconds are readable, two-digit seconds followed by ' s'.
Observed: 3 h 55 min
